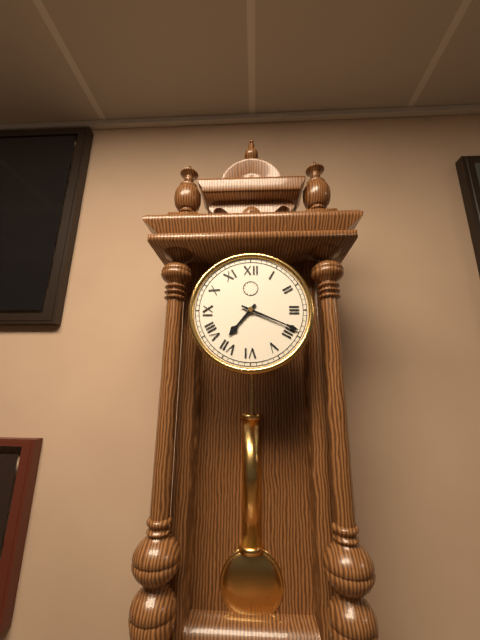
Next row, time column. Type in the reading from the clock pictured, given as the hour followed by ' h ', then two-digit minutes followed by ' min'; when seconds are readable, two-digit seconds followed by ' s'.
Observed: 7 h 19 min
